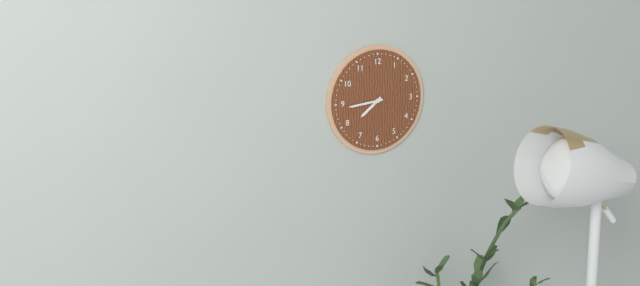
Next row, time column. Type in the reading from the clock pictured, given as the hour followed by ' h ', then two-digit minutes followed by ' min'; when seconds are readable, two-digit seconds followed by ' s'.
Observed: 7 h 44 min
